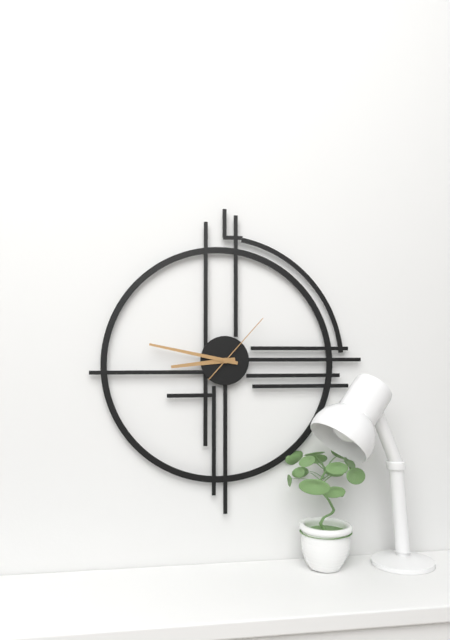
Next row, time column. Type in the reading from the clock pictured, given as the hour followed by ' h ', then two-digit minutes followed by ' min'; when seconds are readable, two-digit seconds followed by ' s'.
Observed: 8 h 47 min 07 s
